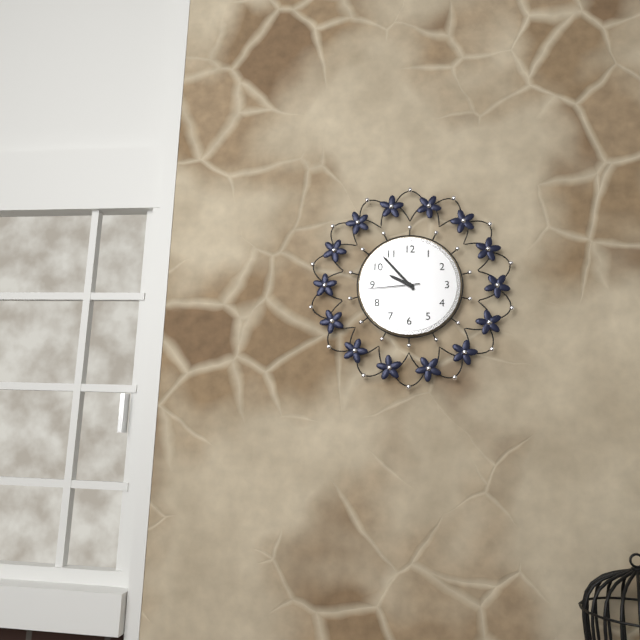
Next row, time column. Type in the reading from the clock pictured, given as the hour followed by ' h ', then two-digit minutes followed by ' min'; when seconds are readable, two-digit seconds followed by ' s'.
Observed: 9 h 53 min 44 s
